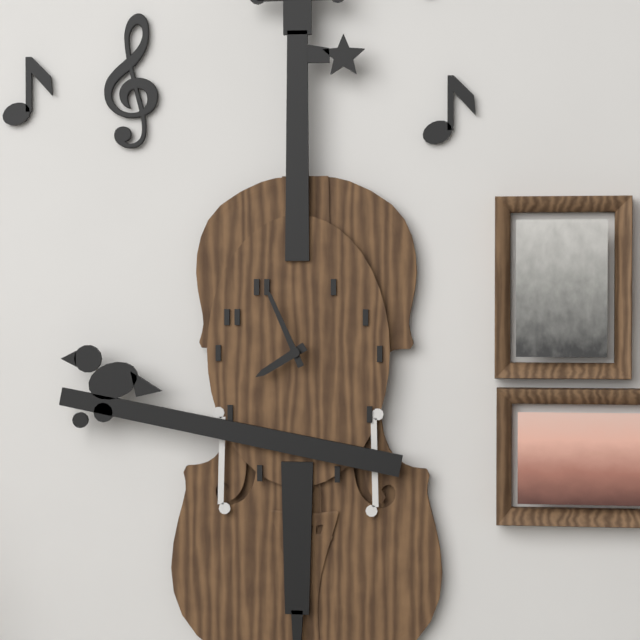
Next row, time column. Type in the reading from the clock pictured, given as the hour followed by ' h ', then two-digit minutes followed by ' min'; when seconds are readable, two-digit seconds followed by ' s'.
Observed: 7 h 56 min
